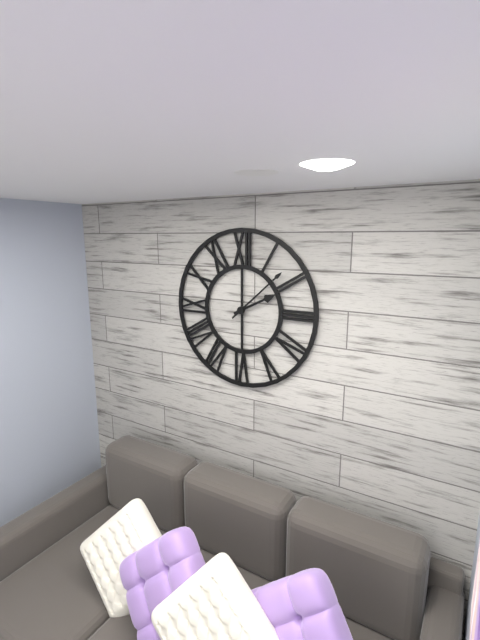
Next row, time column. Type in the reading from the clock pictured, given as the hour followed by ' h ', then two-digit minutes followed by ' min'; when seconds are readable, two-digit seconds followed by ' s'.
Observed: 2 h 08 min
